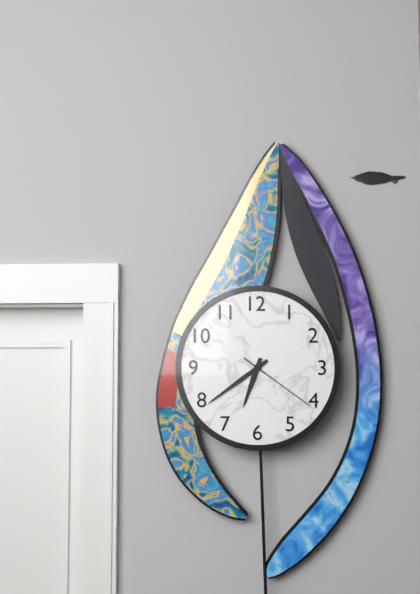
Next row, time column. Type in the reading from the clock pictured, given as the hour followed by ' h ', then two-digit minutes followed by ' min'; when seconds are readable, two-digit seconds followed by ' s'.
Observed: 6 h 39 min 21 s
